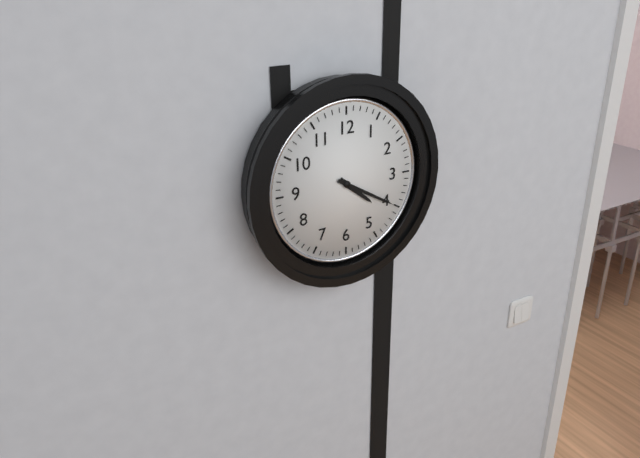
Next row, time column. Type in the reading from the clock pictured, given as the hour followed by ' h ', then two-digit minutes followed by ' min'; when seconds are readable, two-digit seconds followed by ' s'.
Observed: 4 h 20 min
